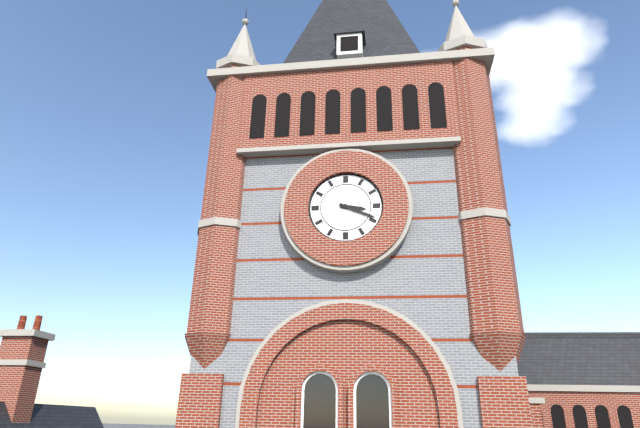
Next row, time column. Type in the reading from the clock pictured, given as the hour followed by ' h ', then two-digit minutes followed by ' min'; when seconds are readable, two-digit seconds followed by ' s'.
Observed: 3 h 19 min
